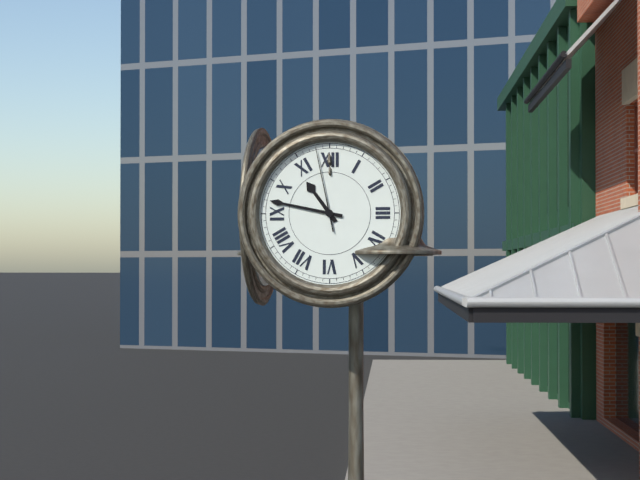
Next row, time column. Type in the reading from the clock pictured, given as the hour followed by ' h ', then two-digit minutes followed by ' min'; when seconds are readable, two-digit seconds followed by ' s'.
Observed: 10 h 47 min 58 s
